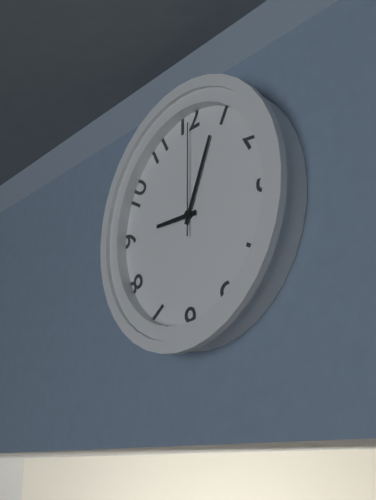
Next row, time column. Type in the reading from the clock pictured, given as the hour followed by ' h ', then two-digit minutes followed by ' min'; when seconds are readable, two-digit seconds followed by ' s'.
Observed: 9 h 04 min 00 s
